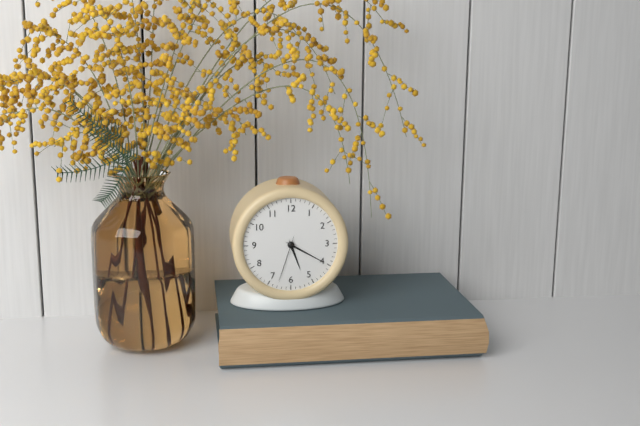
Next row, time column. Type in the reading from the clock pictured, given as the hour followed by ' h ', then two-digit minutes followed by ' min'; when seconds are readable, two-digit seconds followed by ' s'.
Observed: 5 h 20 min 33 s
